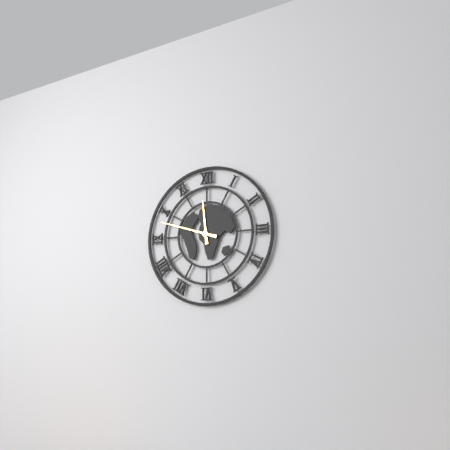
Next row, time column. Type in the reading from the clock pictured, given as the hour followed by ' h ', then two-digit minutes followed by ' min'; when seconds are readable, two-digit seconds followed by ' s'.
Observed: 11 h 48 min
